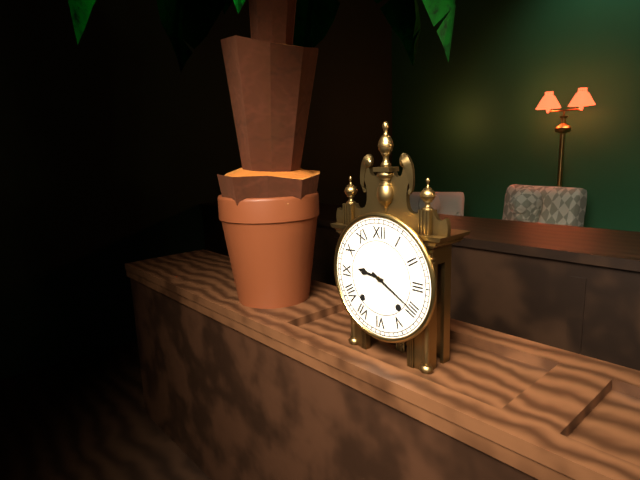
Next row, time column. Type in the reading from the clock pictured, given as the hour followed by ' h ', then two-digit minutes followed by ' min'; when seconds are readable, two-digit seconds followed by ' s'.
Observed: 9 h 20 min
